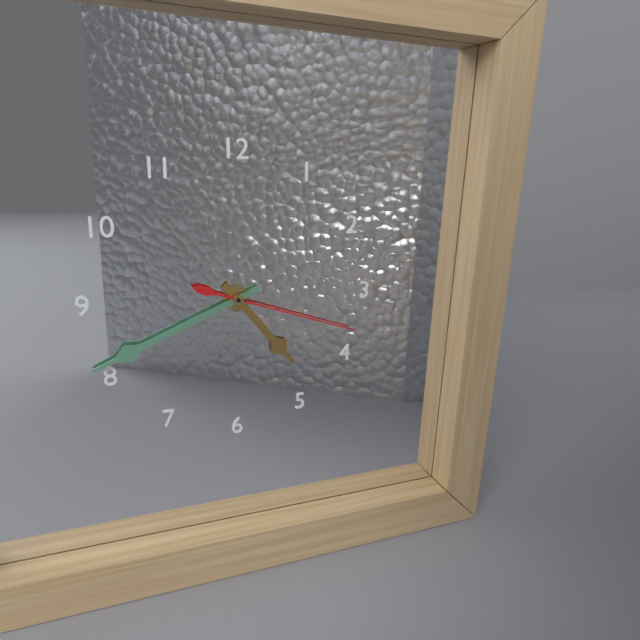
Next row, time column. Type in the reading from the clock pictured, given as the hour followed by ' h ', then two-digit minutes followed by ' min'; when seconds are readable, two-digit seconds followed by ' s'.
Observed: 4 h 41 min 18 s
